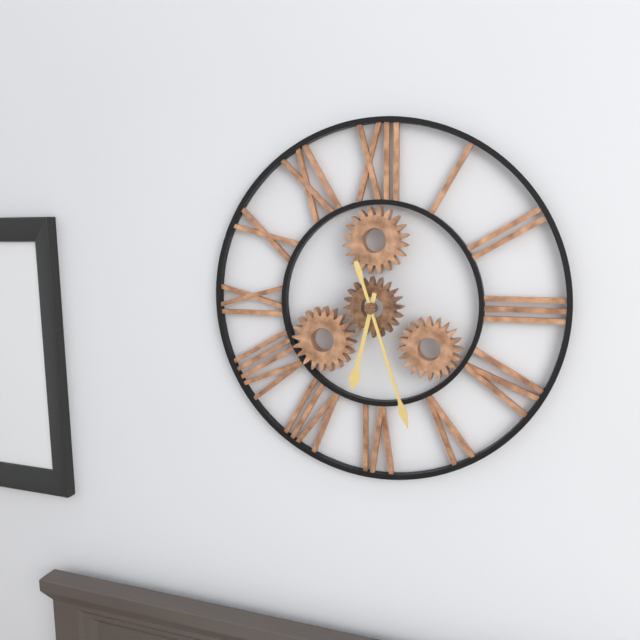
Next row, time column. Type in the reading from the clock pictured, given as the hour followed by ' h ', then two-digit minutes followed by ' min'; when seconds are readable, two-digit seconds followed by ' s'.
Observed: 6 h 27 min
